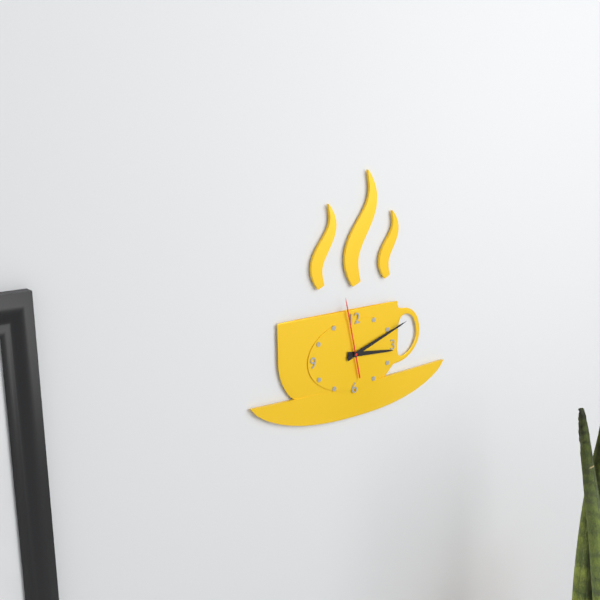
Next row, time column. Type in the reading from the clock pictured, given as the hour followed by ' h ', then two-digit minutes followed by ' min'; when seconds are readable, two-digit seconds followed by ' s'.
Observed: 3 h 12 min 58 s
